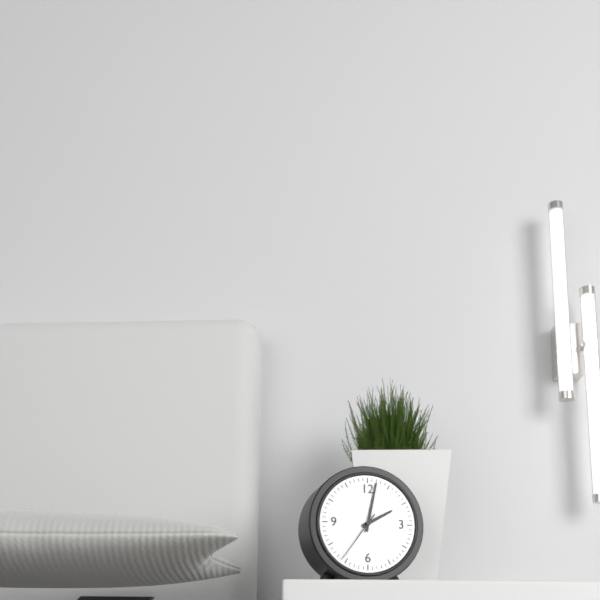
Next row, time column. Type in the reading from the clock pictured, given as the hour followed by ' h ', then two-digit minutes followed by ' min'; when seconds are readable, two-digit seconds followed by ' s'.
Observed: 2 h 02 min 36 s
